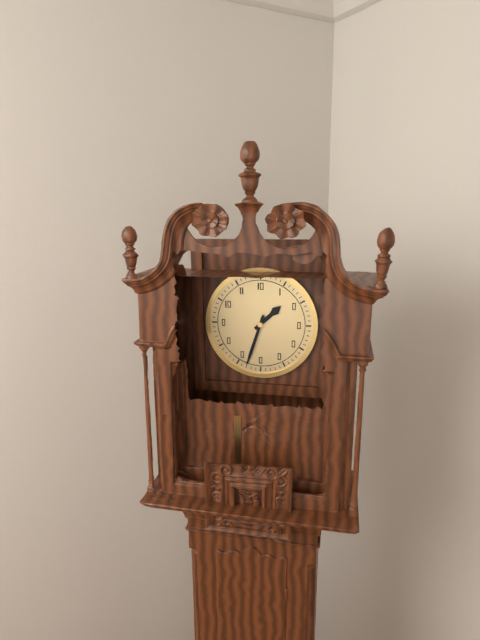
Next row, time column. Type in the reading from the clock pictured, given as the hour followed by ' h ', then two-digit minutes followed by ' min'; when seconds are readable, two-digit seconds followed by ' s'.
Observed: 1 h 33 min
